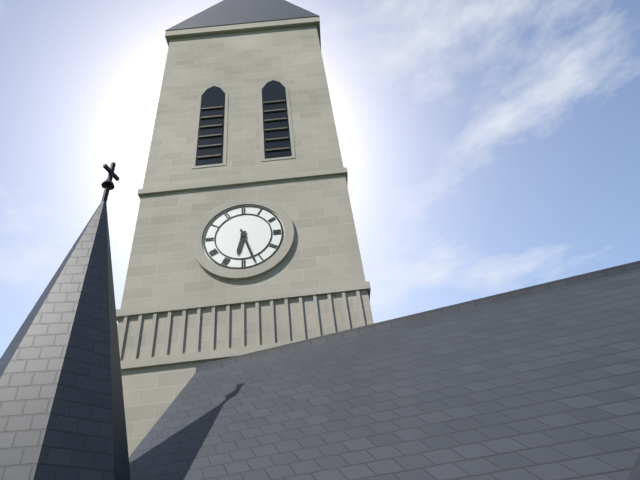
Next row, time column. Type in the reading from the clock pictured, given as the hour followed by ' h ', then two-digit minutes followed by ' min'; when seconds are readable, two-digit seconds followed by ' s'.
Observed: 6 h 27 min
